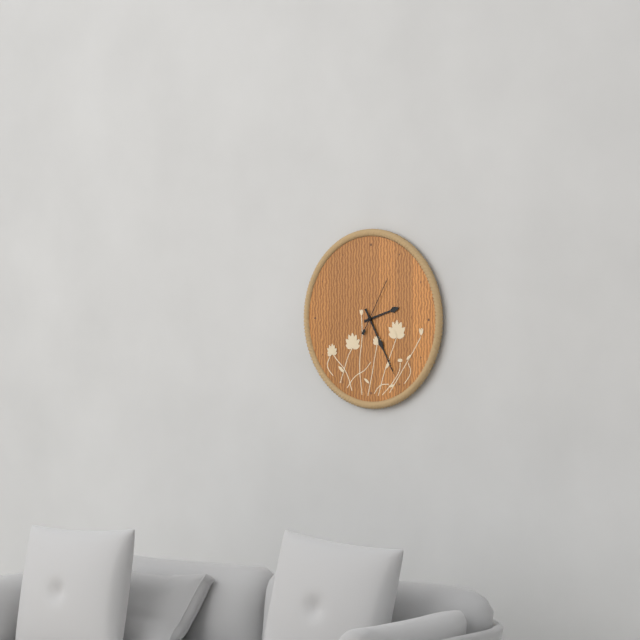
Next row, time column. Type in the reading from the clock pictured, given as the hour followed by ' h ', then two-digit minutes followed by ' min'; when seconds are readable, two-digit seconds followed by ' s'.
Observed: 2 h 25 min 05 s
